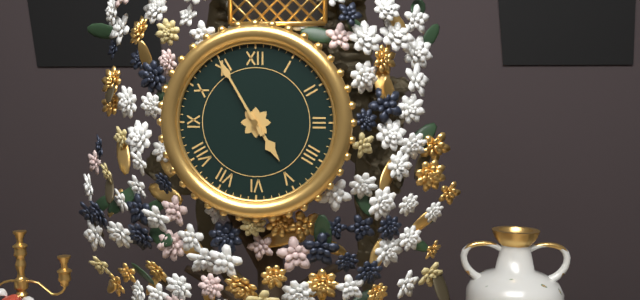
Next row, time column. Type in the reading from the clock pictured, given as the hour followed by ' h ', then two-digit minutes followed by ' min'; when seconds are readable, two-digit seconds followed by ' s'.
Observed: 4 h 55 min
